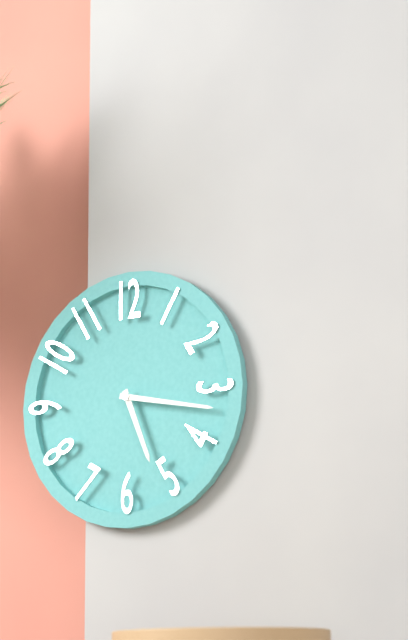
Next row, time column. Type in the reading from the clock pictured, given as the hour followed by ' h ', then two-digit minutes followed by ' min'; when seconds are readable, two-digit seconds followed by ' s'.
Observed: 5 h 17 min
